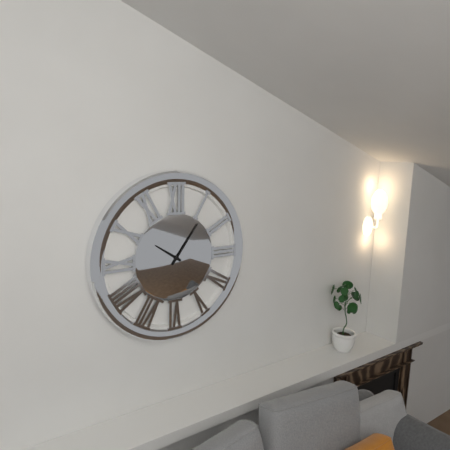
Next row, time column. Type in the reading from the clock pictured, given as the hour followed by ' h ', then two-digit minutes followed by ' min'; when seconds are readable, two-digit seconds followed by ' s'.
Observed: 10 h 06 min
